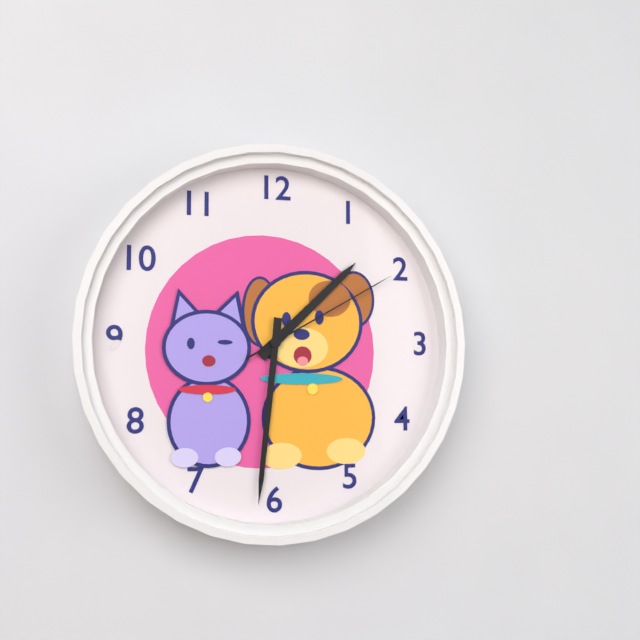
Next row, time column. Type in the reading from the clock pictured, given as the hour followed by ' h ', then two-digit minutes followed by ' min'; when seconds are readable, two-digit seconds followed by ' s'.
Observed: 1 h 31 min 10 s
